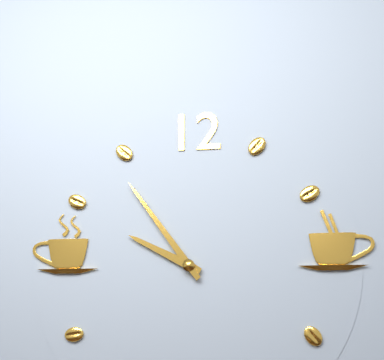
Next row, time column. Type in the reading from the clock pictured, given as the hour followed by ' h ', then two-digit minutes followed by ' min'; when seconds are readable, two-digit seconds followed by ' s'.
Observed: 9 h 54 min
